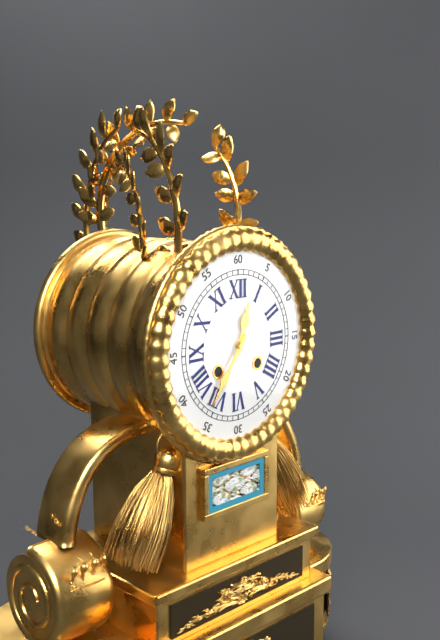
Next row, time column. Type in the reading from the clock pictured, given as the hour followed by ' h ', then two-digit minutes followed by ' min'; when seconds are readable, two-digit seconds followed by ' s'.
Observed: 12 h 36 min
